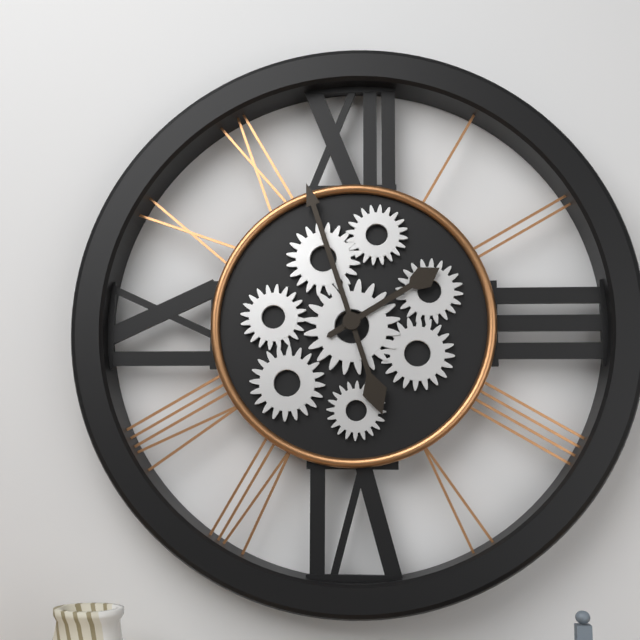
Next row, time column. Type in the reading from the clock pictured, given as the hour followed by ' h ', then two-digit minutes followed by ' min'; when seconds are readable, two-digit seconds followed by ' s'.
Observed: 1 h 57 min
